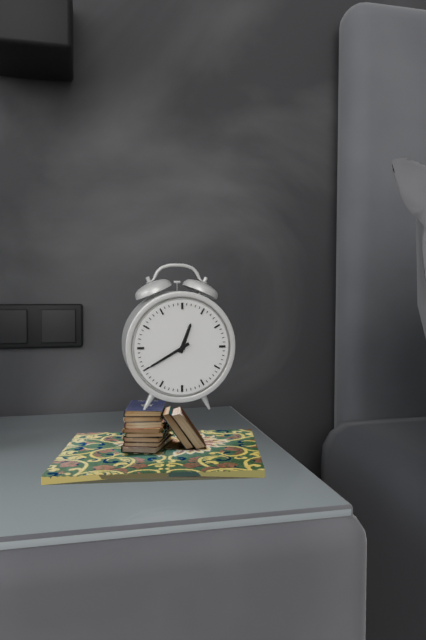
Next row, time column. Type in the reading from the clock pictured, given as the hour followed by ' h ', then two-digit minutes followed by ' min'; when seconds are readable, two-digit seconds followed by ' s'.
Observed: 12 h 40 min
